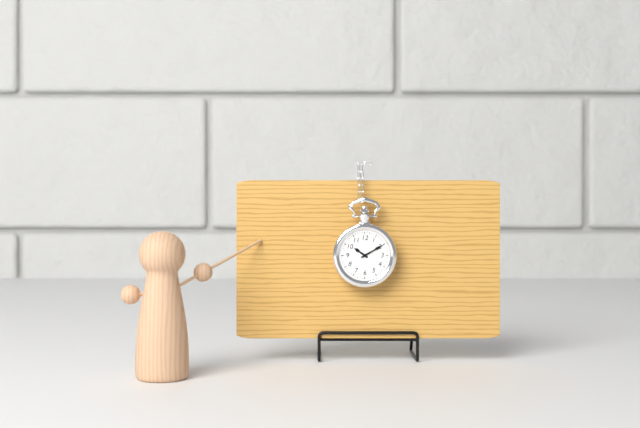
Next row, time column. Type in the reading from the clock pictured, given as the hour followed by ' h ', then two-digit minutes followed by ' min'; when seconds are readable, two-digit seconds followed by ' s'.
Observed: 10 h 10 min
